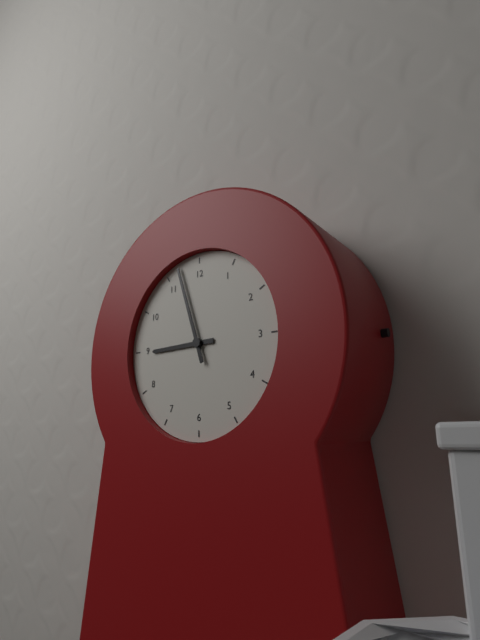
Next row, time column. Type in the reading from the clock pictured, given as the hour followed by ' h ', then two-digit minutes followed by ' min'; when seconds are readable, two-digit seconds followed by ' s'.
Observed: 8 h 57 min
